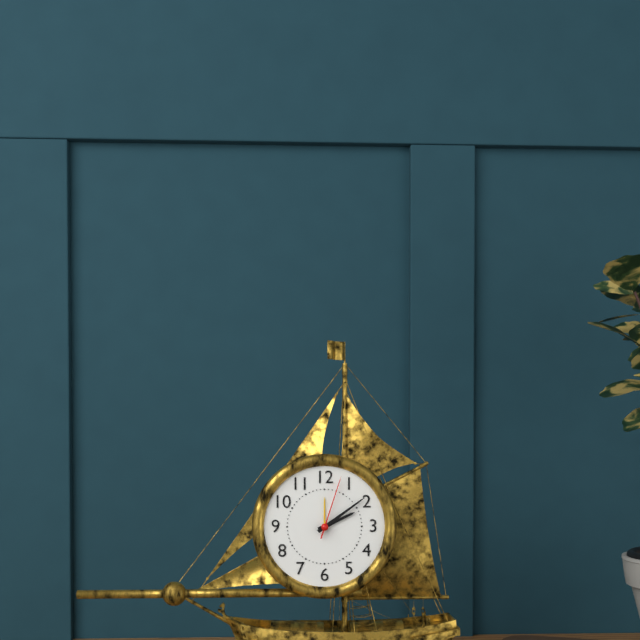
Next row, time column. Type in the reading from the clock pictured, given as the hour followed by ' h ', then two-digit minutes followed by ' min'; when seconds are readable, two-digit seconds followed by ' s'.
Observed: 2 h 09 min 03 s
